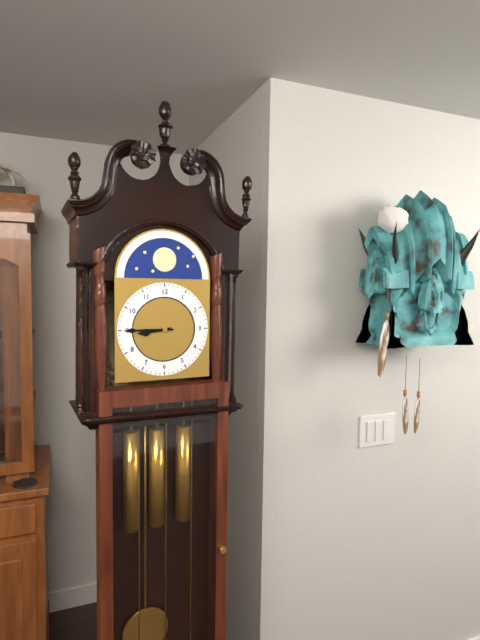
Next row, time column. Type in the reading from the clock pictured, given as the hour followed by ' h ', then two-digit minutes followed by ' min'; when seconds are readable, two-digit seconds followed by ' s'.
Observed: 8 h 45 min
